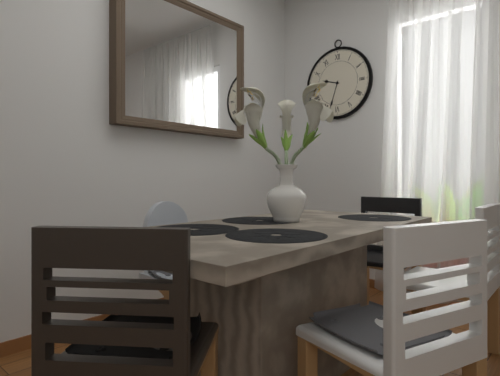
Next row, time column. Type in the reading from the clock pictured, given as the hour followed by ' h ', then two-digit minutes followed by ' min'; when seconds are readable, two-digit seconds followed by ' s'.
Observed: 9 h 33 min
